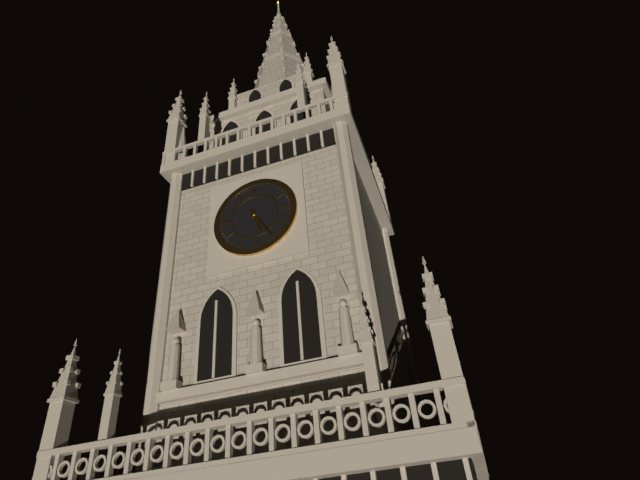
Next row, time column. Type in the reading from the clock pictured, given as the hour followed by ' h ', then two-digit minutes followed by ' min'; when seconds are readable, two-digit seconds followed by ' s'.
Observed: 5 h 25 min
